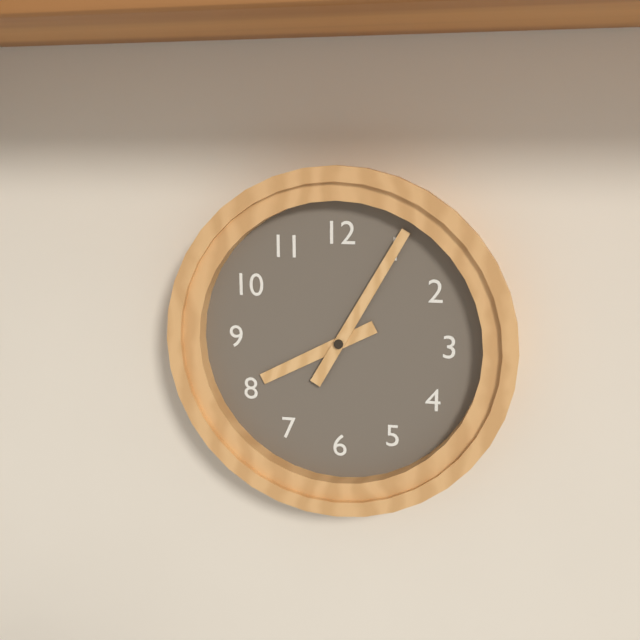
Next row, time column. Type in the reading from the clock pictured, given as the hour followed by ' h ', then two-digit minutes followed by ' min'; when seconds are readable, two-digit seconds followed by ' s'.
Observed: 8 h 05 min
